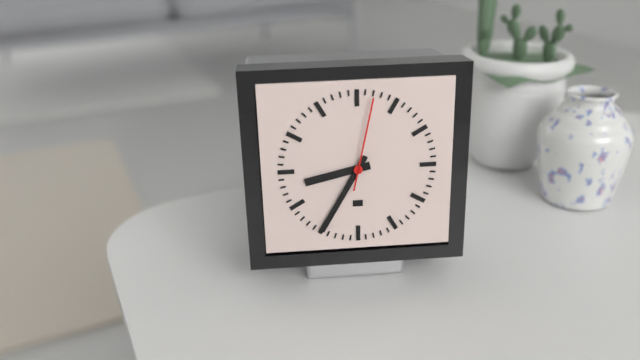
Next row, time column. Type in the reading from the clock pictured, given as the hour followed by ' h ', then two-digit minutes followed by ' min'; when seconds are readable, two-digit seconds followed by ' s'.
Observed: 8 h 35 min 02 s
